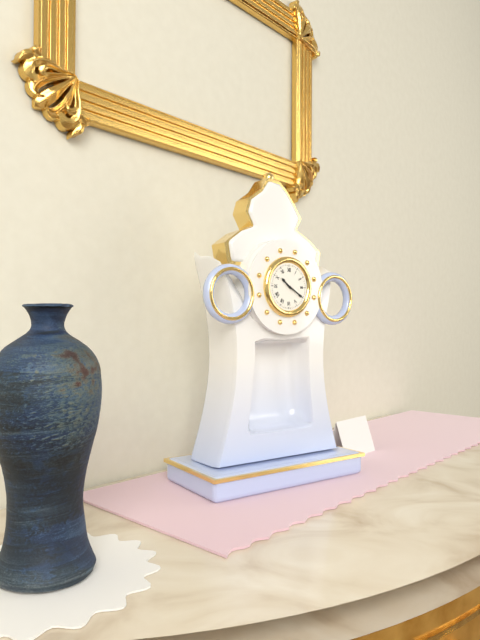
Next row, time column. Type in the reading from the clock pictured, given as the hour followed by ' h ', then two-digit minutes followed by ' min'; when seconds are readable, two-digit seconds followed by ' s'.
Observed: 10 h 20 min
